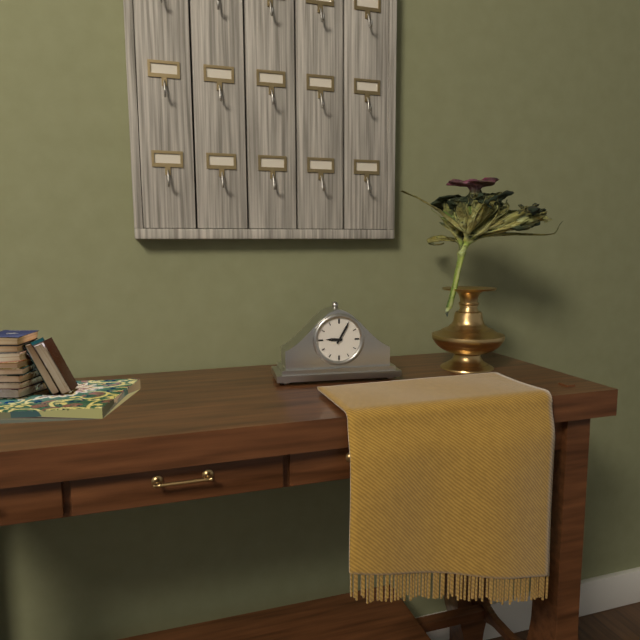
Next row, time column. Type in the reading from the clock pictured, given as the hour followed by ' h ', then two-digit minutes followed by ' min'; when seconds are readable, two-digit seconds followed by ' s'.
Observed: 9 h 05 min
